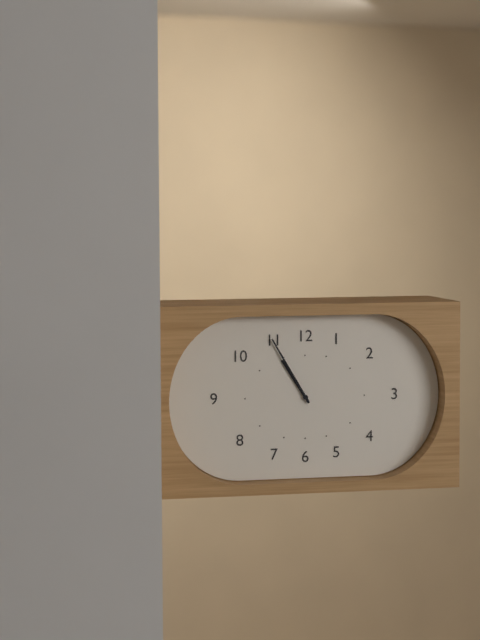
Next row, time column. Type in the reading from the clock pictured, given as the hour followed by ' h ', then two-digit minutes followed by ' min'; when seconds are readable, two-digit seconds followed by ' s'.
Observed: 10 h 55 min
